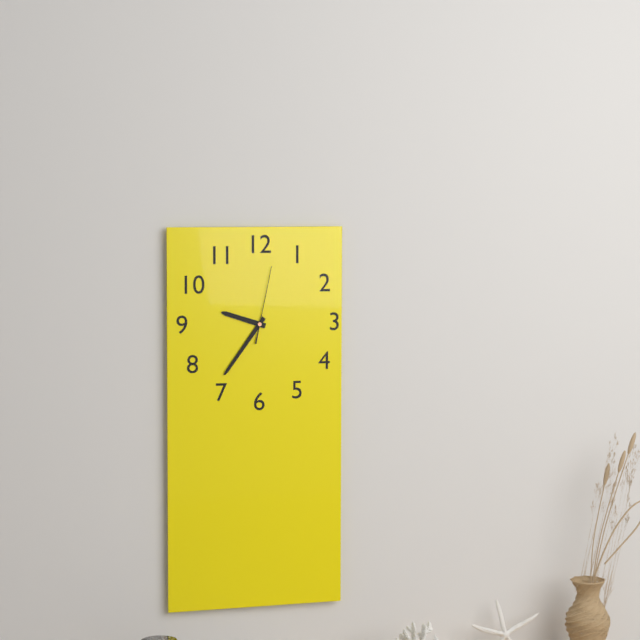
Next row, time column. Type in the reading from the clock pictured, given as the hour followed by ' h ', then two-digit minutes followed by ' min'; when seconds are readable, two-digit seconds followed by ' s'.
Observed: 9 h 36 min 02 s
